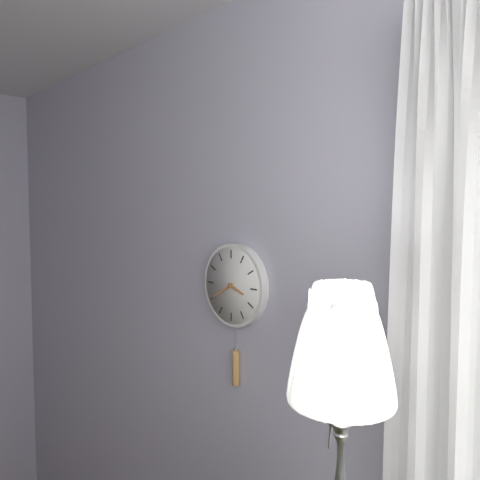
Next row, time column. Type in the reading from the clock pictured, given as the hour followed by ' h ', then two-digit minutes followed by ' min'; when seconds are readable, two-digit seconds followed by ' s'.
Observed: 3 h 40 min
